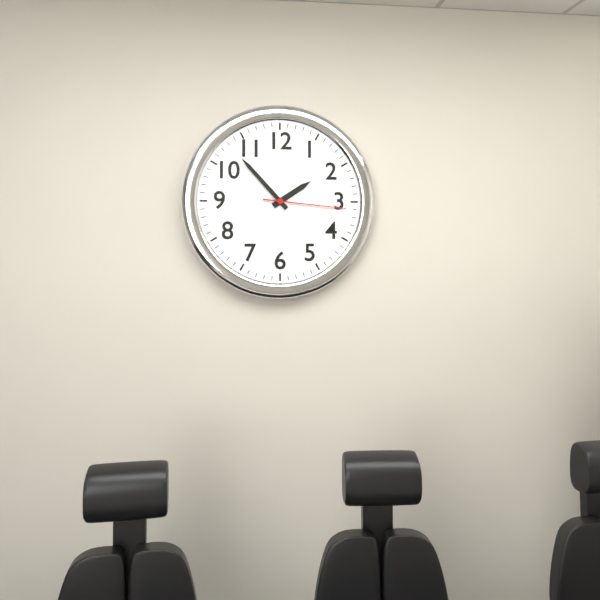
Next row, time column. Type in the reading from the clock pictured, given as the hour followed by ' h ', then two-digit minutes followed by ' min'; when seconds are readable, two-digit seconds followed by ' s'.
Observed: 1 h 53 min 16 s
